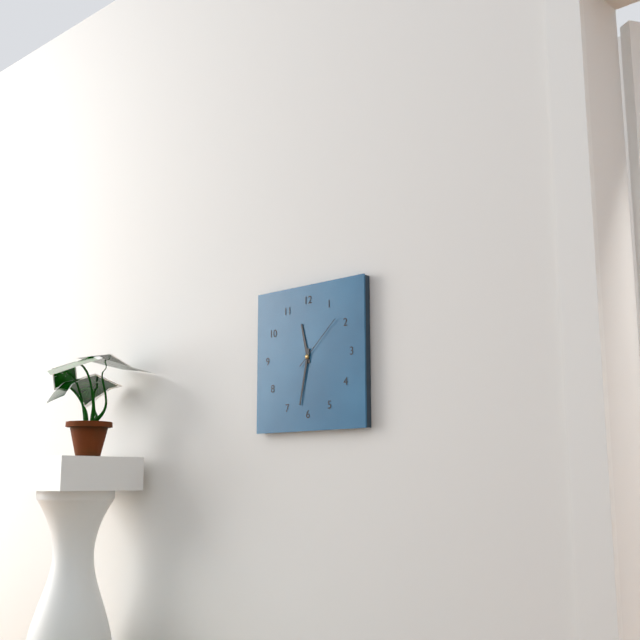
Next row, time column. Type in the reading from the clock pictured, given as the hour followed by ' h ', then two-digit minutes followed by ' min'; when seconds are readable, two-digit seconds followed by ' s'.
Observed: 11 h 32 min 08 s
